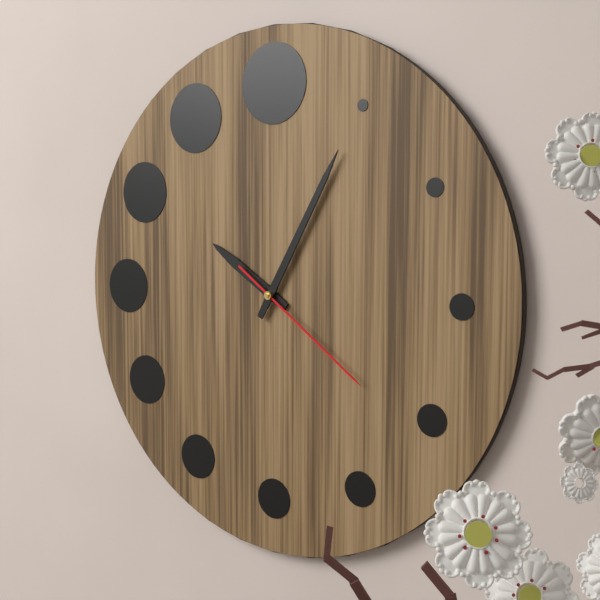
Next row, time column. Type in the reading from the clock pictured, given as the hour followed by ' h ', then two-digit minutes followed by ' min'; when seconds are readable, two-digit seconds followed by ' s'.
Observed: 10 h 05 min 21 s
